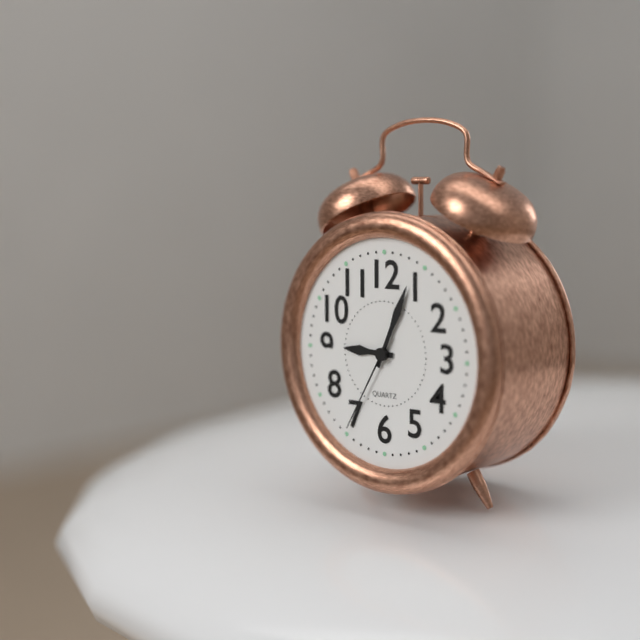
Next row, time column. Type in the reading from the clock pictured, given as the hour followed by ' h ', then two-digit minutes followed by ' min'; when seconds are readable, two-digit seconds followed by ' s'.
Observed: 9 h 04 min 35 s
